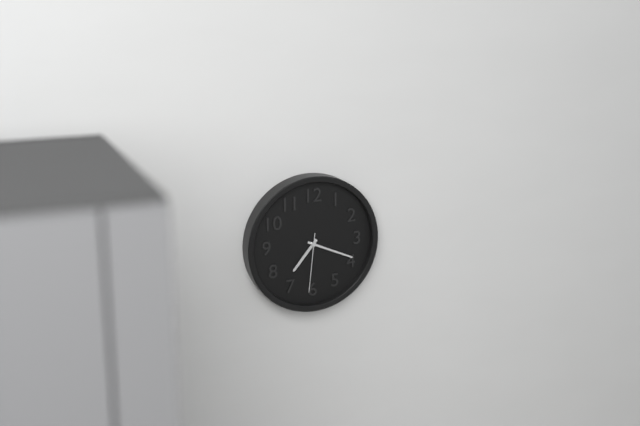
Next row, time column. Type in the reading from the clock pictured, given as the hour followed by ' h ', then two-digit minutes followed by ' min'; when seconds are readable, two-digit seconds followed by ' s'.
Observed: 7 h 19 min 31 s
